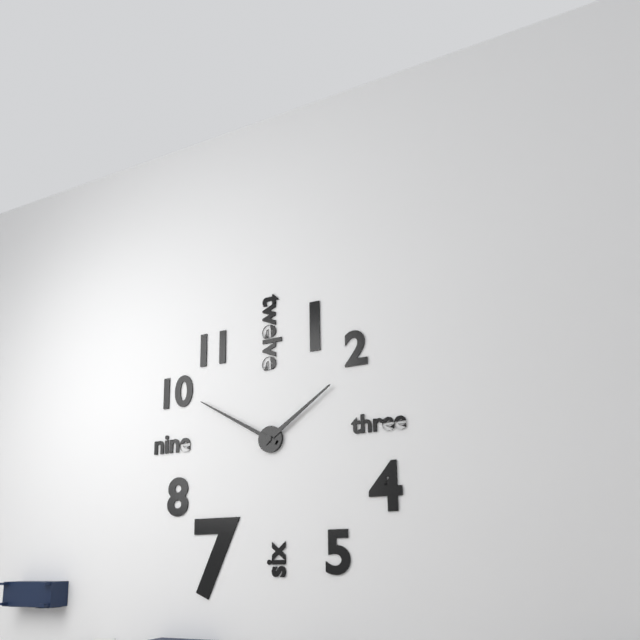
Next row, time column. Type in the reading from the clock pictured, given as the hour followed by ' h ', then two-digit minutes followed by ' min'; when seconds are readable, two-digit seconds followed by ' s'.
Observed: 1 h 50 min
